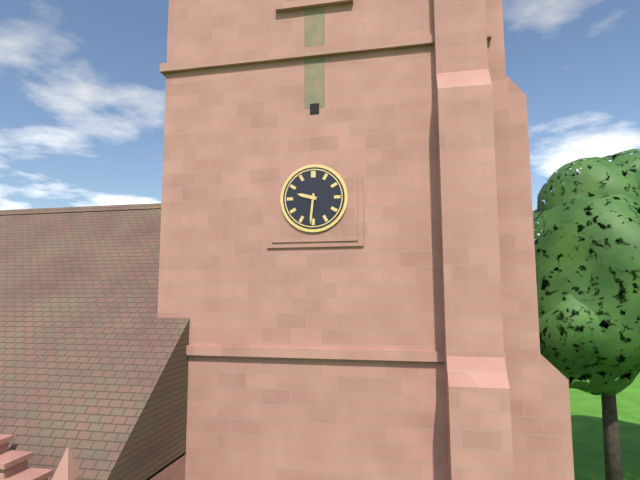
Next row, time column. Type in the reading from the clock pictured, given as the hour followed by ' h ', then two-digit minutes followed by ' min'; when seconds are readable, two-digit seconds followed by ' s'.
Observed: 9 h 31 min
